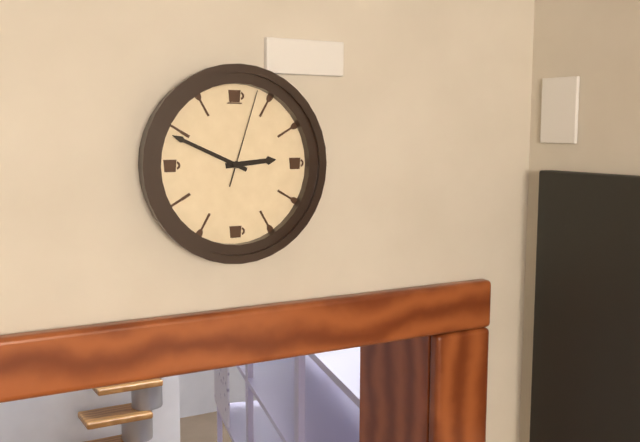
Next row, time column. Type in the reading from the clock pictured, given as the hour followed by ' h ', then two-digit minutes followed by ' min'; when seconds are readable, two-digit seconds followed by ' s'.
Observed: 2 h 49 min 03 s
